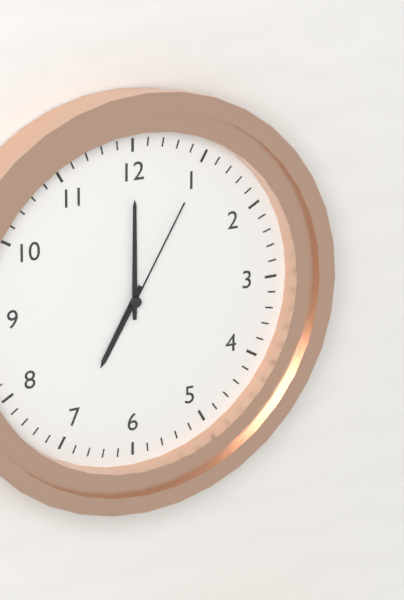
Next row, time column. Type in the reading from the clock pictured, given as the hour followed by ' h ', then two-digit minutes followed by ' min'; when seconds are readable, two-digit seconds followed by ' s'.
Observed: 7 h 00 min 05 s
